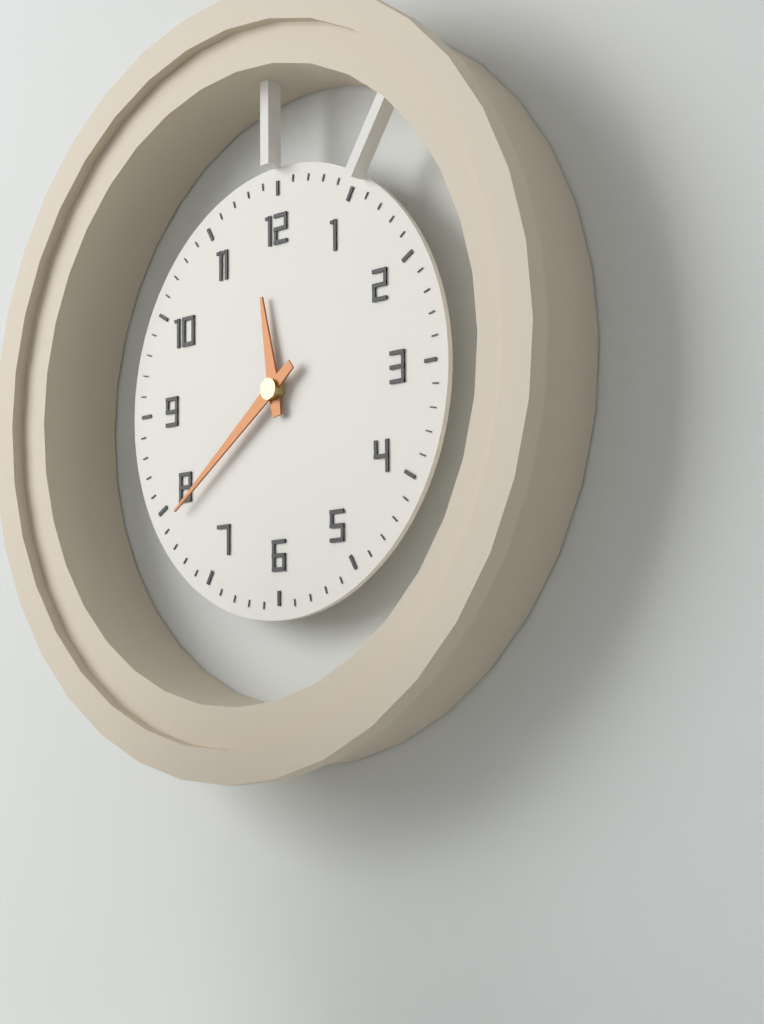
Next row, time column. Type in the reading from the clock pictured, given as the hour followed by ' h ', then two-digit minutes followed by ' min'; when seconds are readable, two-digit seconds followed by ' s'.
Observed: 11 h 39 min
